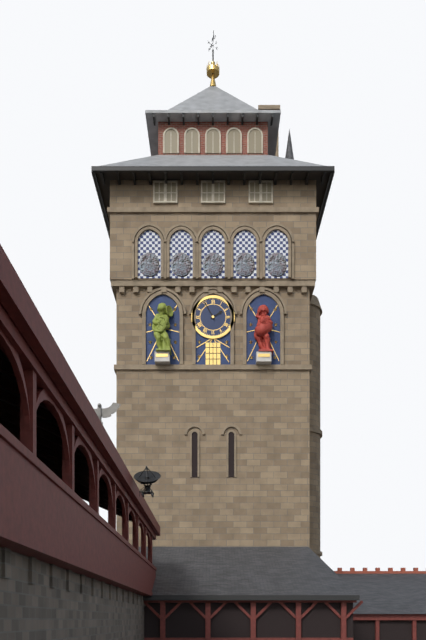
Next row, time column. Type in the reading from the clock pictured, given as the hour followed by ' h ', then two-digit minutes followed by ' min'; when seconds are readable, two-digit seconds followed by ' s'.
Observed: 1 h 55 min
